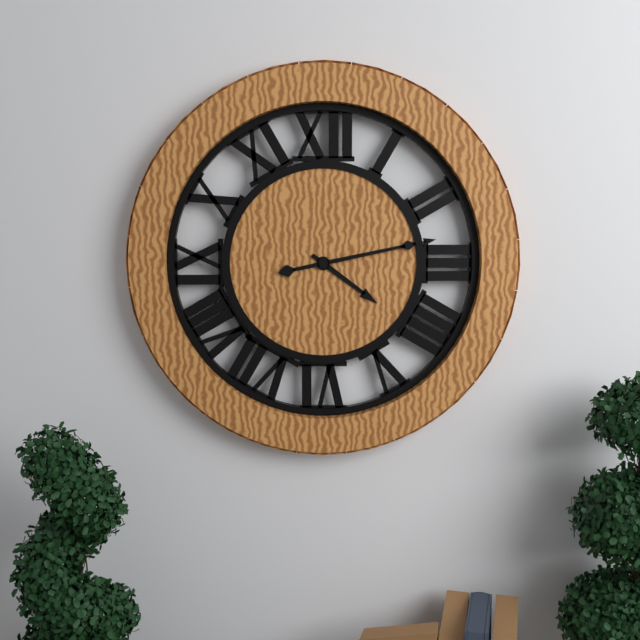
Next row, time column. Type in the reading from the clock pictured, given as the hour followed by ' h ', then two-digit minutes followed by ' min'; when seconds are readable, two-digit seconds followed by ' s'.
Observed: 4 h 13 min
